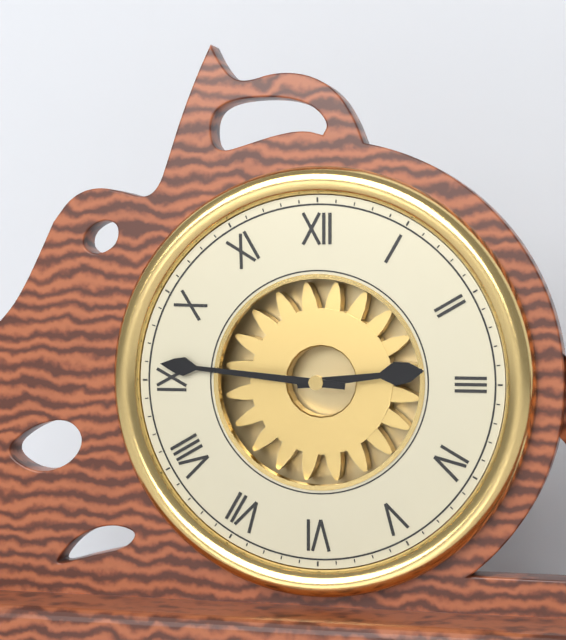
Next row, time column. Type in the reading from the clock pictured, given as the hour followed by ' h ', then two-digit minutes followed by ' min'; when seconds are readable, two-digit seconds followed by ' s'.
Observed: 2 h 46 min
